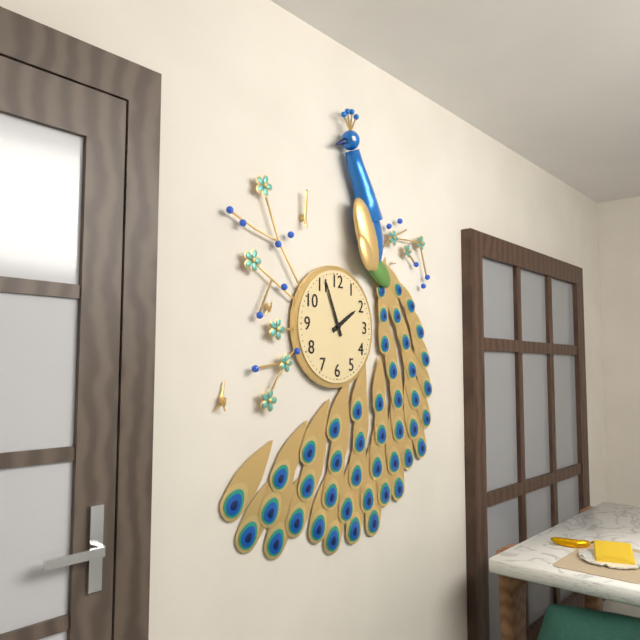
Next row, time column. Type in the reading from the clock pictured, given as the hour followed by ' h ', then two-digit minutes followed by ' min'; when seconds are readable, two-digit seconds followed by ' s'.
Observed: 1 h 56 min
